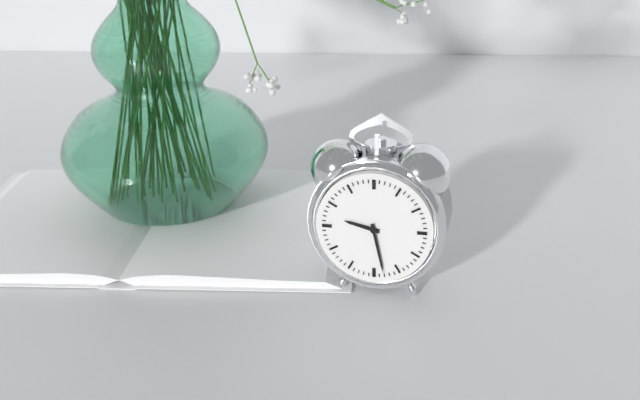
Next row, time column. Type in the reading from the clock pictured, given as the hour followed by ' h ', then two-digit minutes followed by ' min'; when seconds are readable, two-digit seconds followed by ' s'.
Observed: 9 h 28 min
